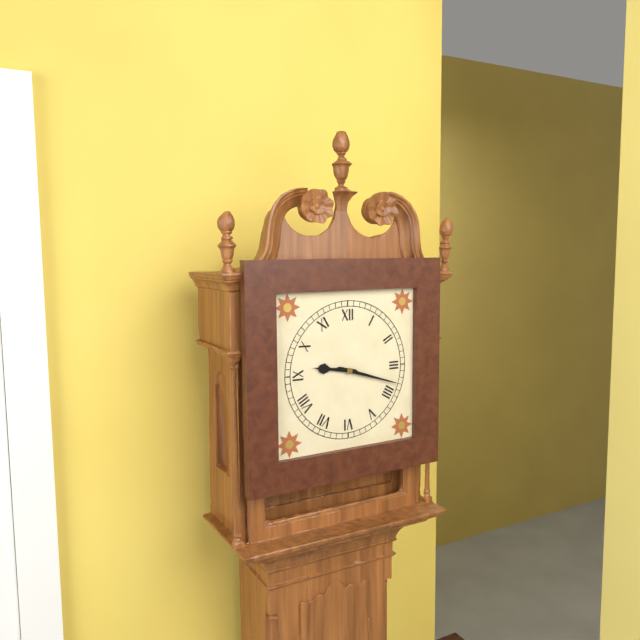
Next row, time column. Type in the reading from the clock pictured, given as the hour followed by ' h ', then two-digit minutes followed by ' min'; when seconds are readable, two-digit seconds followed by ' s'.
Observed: 9 h 18 min
